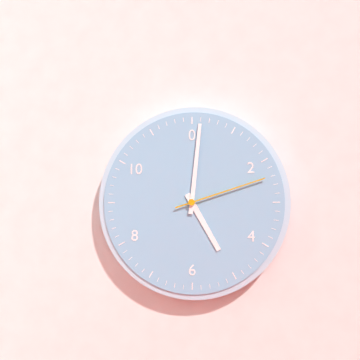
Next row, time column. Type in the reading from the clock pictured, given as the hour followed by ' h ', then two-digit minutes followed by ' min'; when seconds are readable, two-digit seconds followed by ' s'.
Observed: 5 h 01 min 12 s
